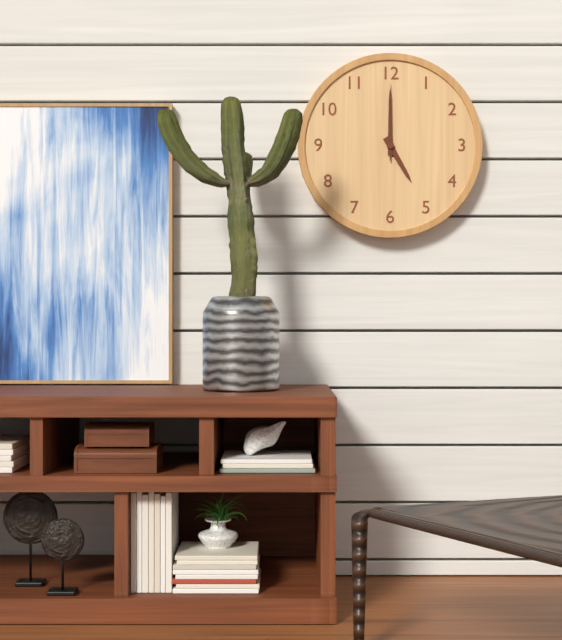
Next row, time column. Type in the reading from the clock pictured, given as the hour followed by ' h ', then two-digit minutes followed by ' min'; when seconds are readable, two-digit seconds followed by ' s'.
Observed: 5 h 00 min 00 s
